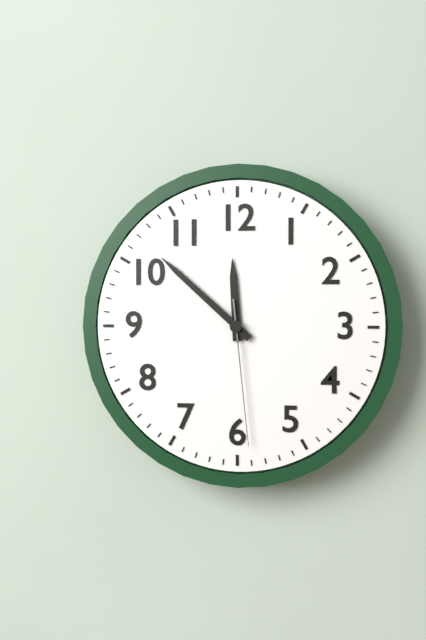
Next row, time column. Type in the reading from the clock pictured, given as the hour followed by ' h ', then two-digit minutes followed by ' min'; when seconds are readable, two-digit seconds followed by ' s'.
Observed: 11 h 52 min 29 s
